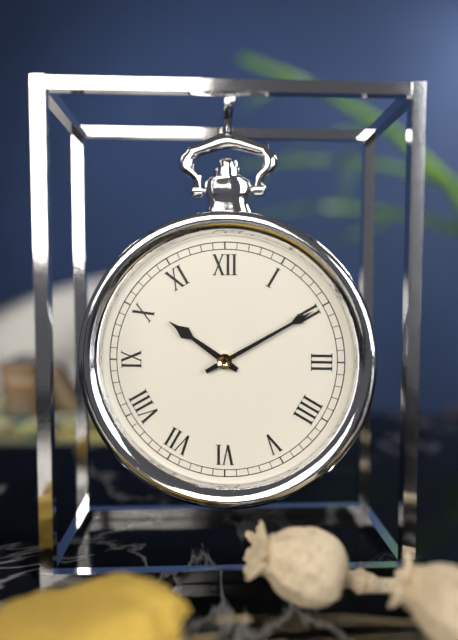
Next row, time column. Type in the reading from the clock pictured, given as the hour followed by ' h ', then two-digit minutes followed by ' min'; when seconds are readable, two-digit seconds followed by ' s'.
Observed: 10 h 10 min
